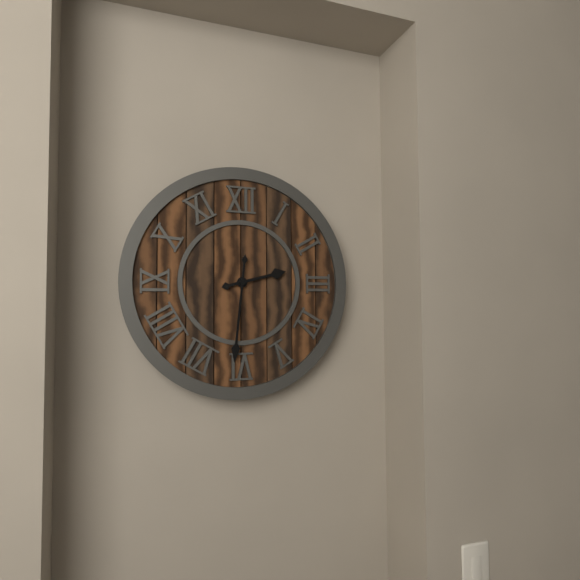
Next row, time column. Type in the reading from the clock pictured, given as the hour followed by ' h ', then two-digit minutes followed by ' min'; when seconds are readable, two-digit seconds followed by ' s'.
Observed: 2 h 31 min
